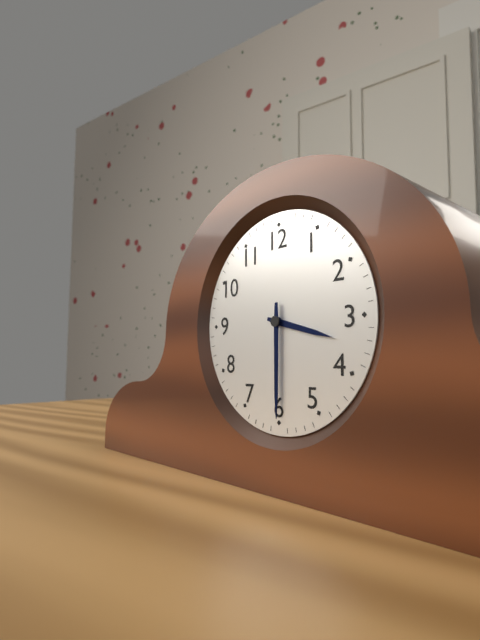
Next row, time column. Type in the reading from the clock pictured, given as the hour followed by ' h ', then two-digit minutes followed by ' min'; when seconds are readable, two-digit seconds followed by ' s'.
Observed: 3 h 30 min
